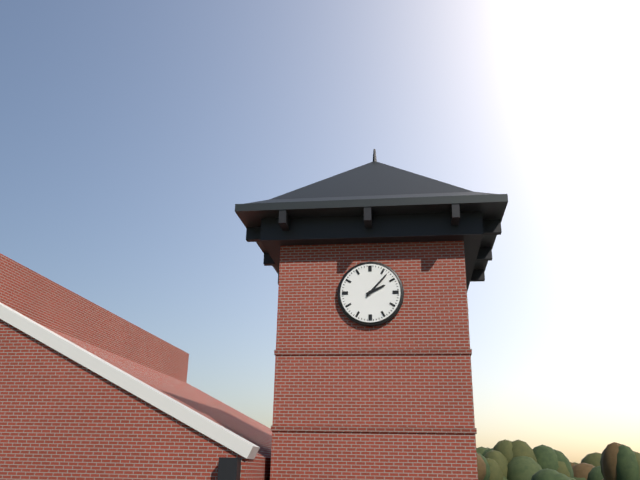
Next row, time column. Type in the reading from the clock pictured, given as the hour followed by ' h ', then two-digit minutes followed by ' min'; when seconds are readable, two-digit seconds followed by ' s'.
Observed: 2 h 07 min
